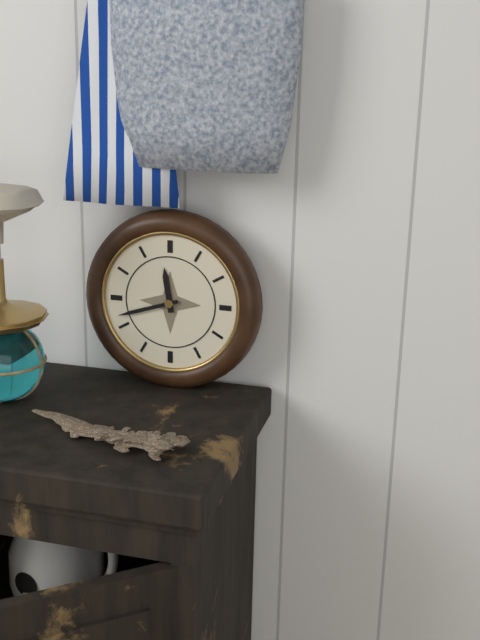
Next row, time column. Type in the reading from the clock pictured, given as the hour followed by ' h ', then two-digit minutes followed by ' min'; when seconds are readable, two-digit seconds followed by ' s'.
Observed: 11 h 42 min
